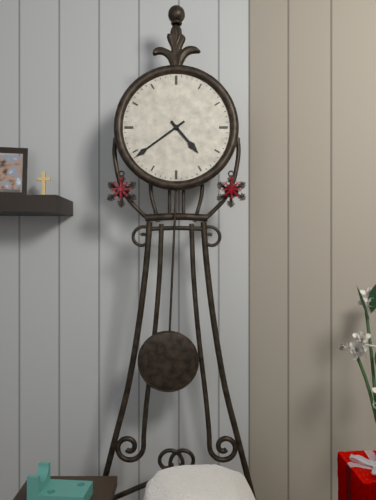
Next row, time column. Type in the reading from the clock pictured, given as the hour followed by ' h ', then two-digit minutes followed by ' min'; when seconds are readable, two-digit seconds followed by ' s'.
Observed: 4 h 39 min
